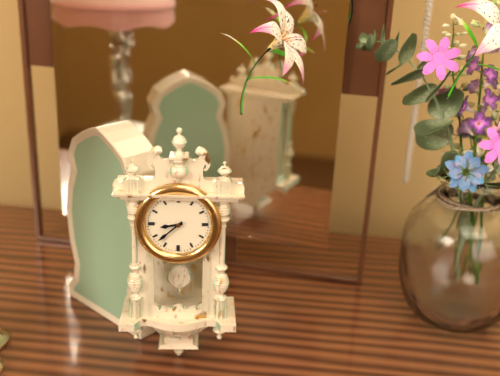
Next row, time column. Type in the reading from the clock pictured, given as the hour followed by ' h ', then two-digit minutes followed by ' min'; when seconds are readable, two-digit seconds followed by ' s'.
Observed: 8 h 38 min
